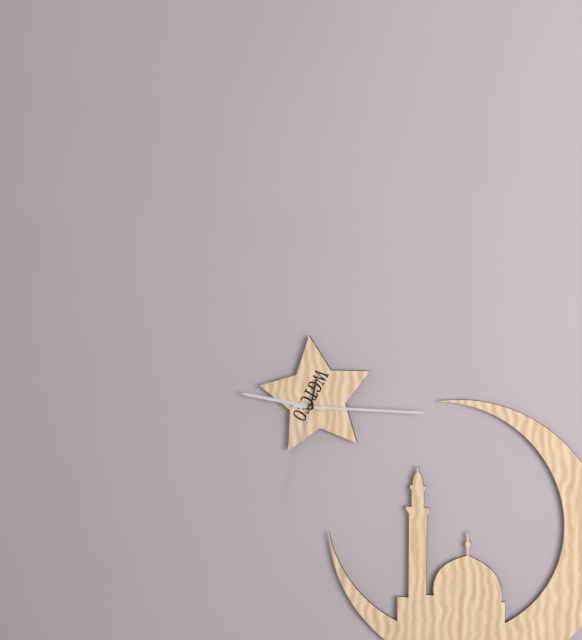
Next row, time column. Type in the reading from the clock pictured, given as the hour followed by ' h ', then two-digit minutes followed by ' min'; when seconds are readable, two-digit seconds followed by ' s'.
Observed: 9 h 15 min 32 s
